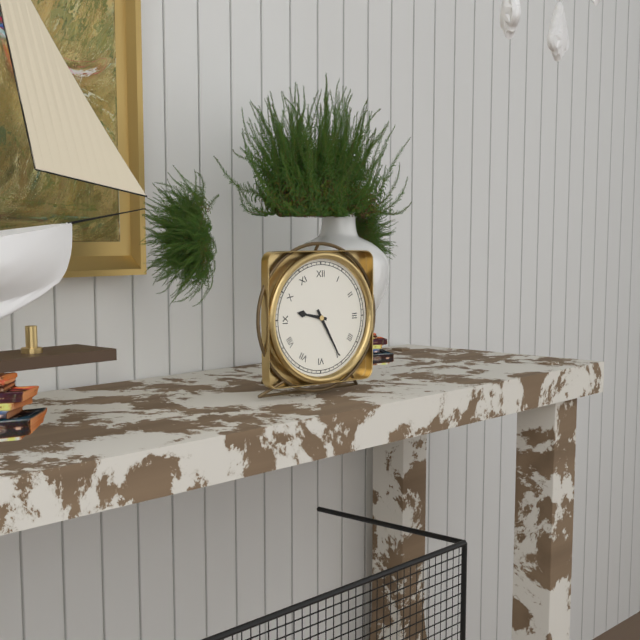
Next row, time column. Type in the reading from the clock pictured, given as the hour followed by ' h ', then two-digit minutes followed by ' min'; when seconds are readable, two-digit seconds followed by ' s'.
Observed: 9 h 25 min
